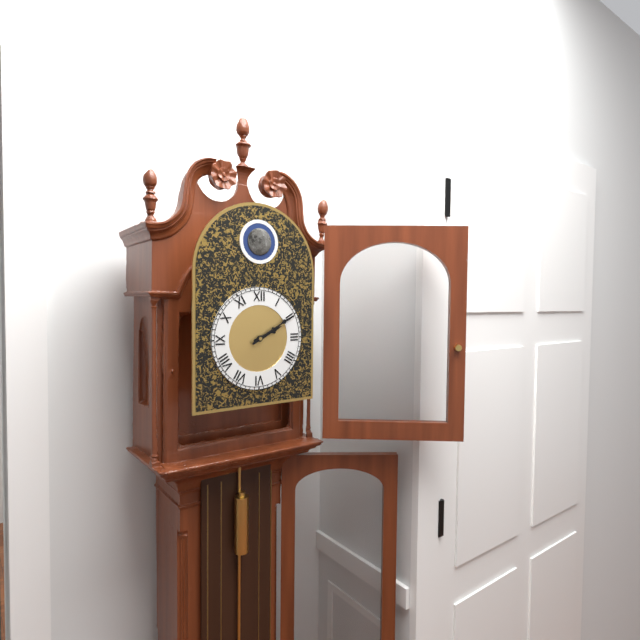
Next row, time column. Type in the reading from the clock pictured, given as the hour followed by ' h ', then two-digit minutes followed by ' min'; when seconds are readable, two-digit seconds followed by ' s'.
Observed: 2 h 10 min
